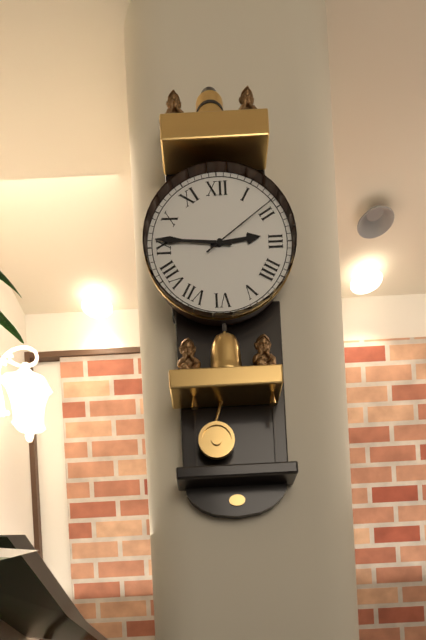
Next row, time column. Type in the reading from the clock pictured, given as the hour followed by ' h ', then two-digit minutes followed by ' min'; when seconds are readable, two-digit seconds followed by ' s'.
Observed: 2 h 46 min 09 s
